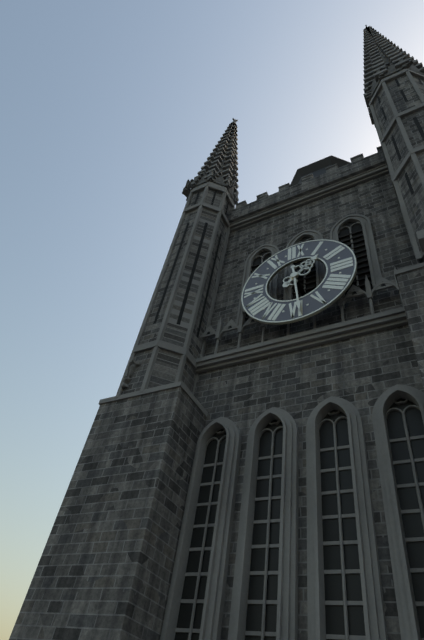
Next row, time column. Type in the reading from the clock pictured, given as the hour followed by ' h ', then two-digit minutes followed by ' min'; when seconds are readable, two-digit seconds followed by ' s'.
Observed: 1 h 29 min
